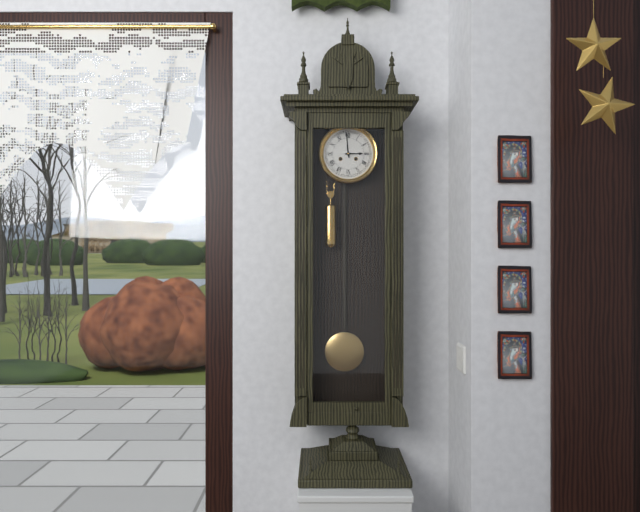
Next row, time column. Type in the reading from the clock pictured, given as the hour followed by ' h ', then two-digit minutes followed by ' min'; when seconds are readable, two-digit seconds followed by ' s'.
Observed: 2 h 59 min
